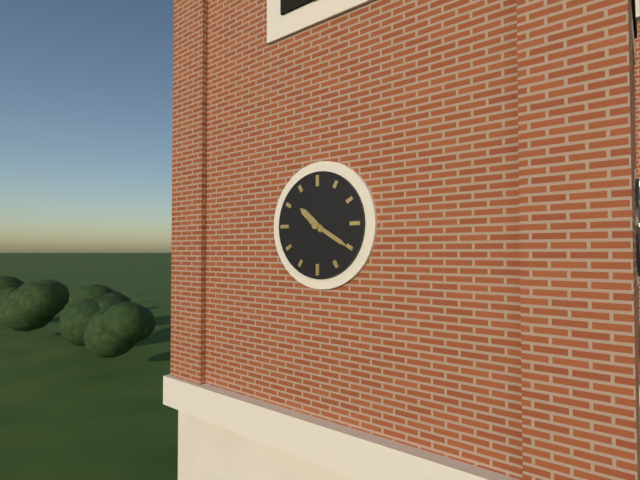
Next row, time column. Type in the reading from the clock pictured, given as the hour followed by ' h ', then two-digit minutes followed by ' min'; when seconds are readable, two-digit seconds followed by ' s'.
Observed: 10 h 20 min
